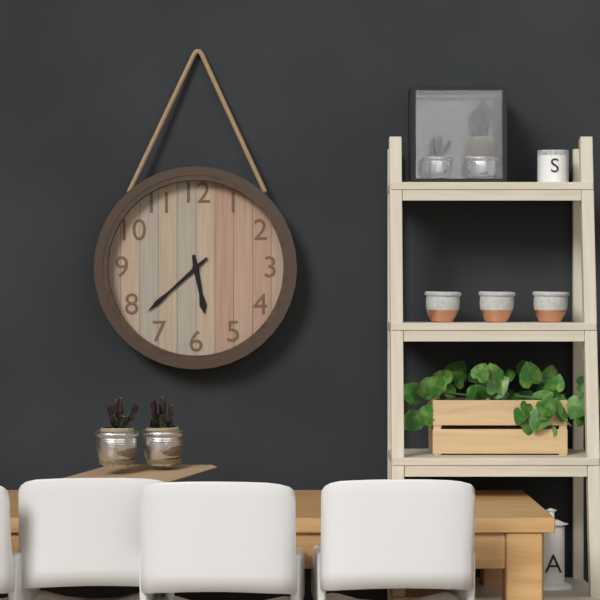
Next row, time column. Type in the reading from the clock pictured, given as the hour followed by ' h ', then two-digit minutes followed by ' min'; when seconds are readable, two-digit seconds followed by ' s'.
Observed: 5 h 38 min
